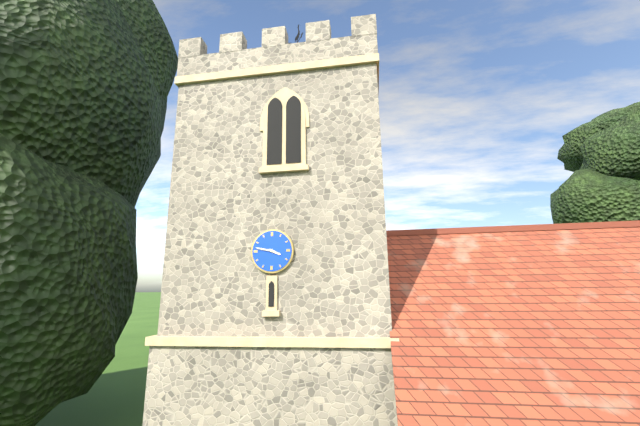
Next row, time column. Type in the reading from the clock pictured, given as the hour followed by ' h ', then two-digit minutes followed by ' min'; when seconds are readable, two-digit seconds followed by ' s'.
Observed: 3 h 47 min
